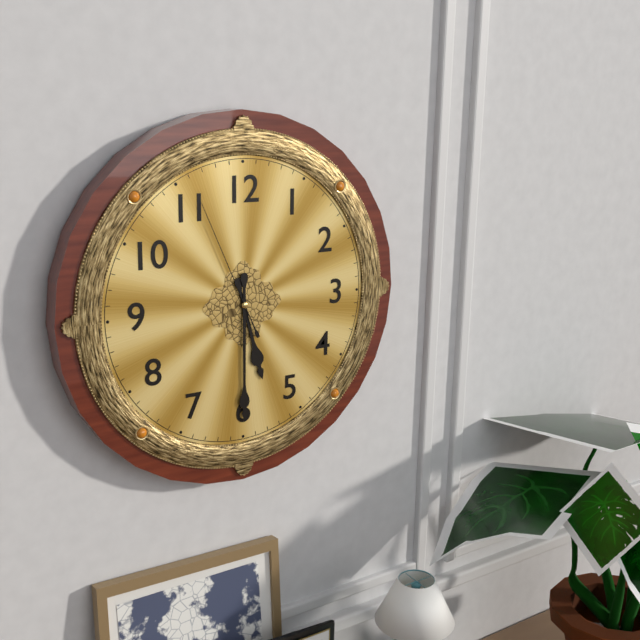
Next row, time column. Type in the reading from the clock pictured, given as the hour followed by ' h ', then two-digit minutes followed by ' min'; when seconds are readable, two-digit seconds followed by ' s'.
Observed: 5 h 30 min 56 s
